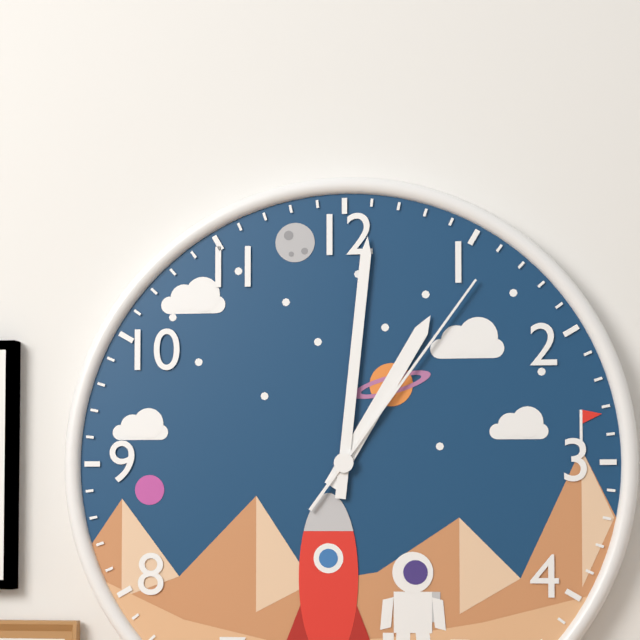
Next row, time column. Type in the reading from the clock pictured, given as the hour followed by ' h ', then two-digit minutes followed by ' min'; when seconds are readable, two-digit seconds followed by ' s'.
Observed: 1 h 01 min 06 s
